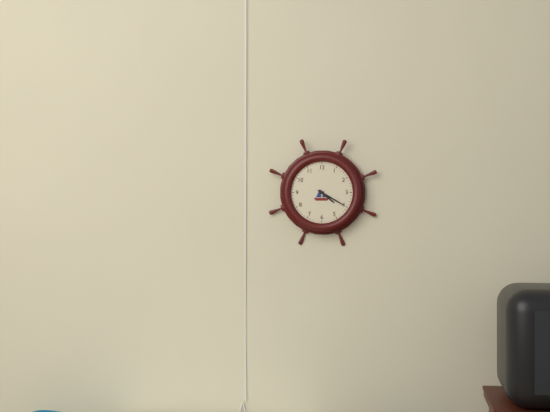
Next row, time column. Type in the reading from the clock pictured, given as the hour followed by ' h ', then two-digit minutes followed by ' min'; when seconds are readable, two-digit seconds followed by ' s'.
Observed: 4 h 20 min
